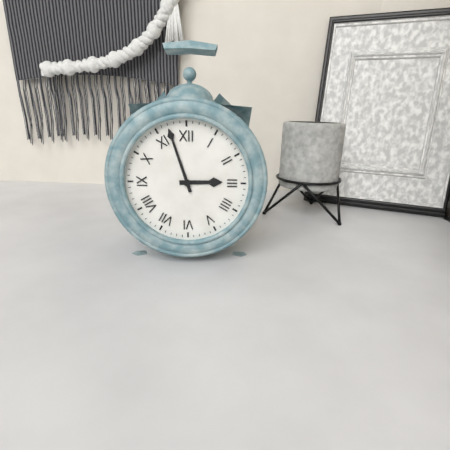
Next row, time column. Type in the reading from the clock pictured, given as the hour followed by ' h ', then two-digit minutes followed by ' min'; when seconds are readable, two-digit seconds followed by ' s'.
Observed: 2 h 57 min
